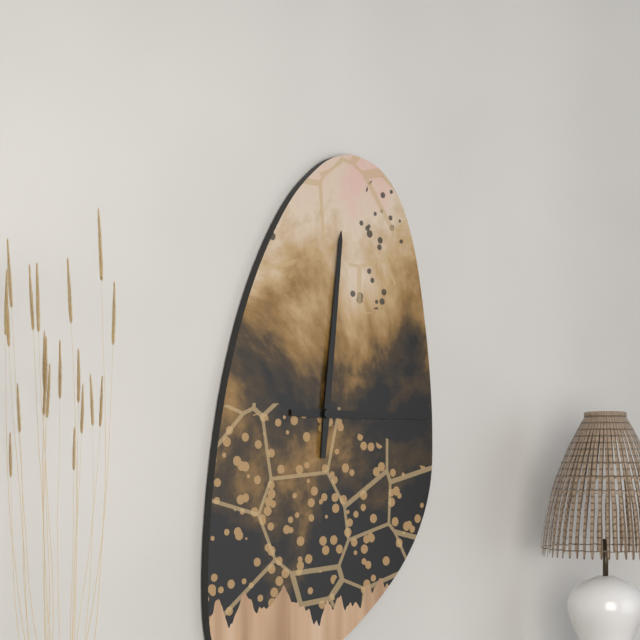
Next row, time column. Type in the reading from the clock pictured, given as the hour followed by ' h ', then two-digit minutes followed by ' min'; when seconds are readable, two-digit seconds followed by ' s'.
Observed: 3 h 01 min
